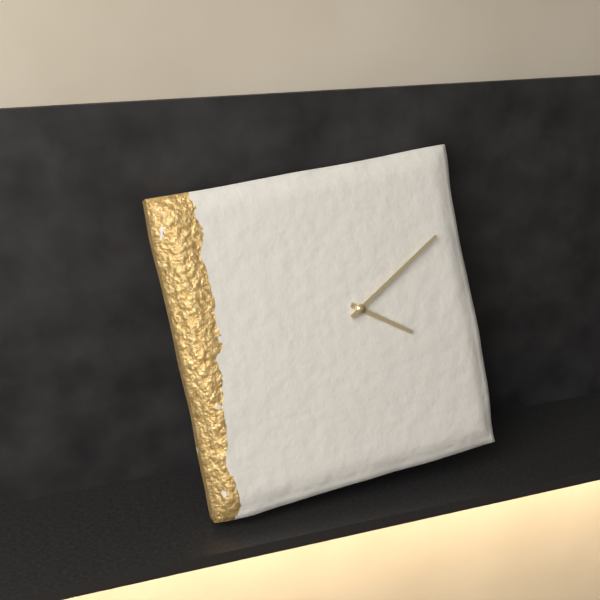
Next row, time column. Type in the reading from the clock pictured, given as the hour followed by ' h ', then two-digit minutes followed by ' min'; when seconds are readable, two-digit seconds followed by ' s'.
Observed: 4 h 10 min
